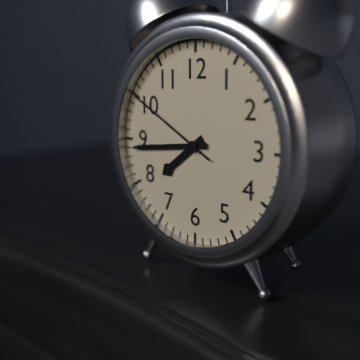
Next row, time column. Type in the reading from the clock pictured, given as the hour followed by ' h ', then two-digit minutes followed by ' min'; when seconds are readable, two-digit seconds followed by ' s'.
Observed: 7 h 44 min 50 s
